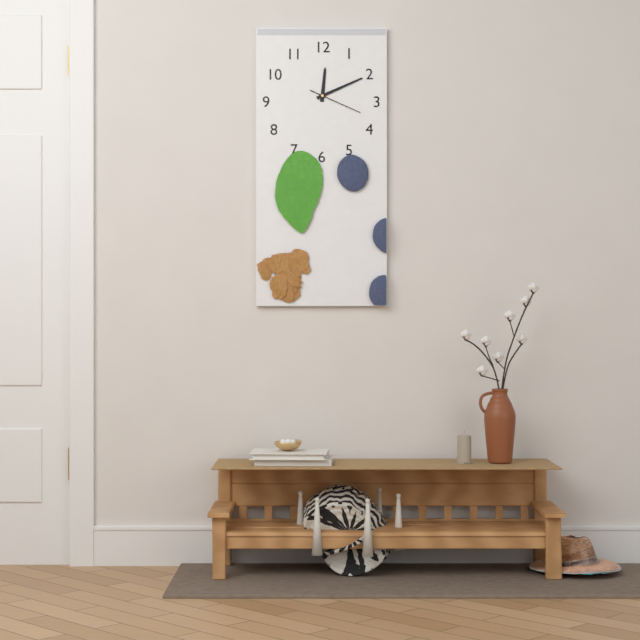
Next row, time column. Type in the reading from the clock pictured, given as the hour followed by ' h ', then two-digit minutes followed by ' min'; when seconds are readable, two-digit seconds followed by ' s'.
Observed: 12 h 11 min 19 s
